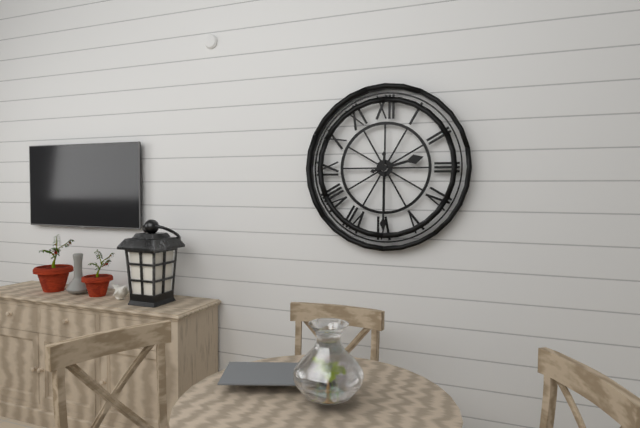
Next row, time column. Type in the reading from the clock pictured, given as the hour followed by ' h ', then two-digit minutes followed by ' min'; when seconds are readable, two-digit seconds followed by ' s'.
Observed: 2 h 30 min
